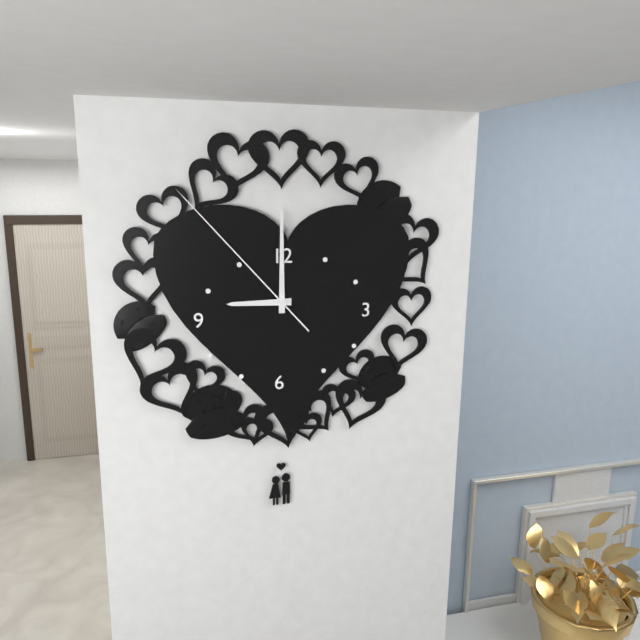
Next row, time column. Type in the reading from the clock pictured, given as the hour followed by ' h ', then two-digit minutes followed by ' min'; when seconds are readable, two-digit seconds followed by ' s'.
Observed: 9 h 00 min 53 s
